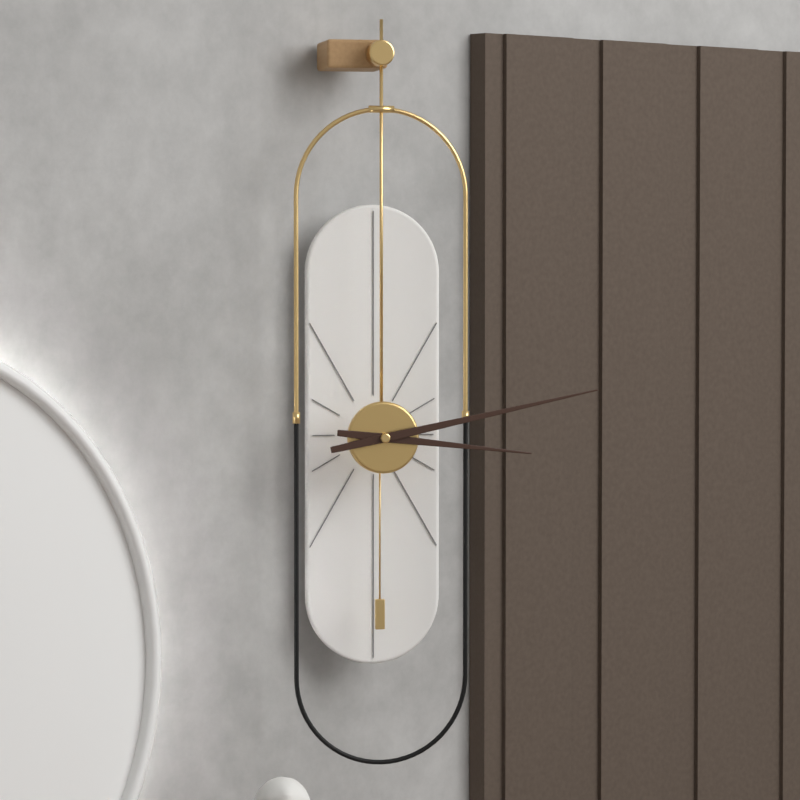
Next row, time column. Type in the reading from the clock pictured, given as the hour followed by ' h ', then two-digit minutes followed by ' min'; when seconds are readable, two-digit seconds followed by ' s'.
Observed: 3 h 13 min
